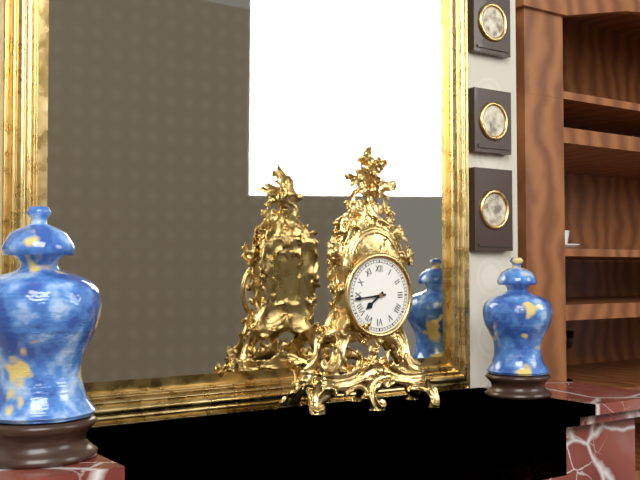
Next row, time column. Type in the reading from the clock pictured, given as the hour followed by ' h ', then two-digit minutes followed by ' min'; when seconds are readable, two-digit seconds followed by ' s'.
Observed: 7 h 44 min
